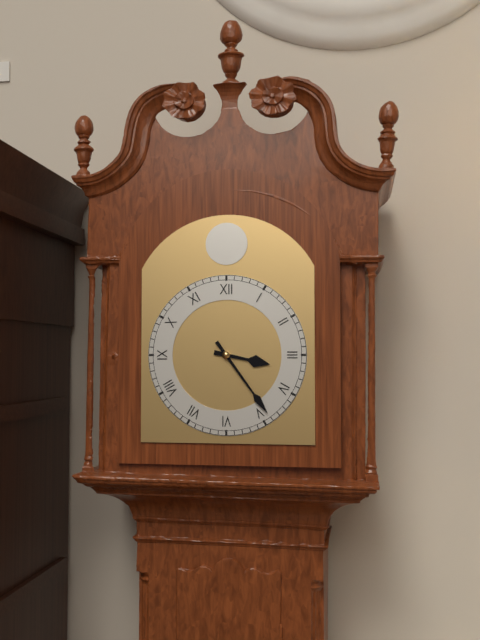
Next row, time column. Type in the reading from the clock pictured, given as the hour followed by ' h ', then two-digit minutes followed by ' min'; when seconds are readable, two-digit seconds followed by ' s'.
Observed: 3 h 24 min
